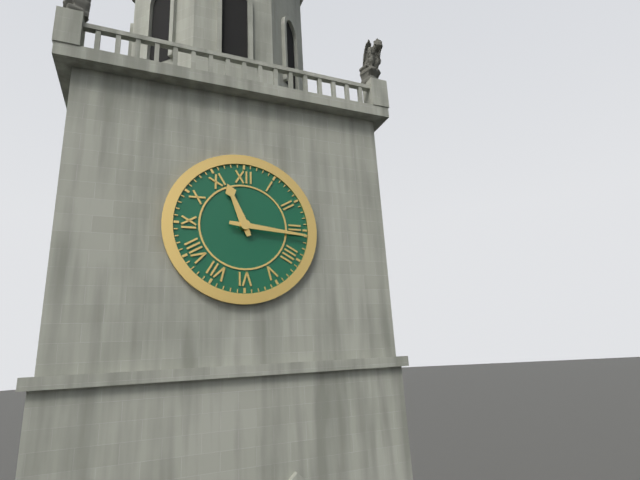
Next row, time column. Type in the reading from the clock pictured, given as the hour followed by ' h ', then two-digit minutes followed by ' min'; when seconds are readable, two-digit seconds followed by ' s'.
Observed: 11 h 16 min
